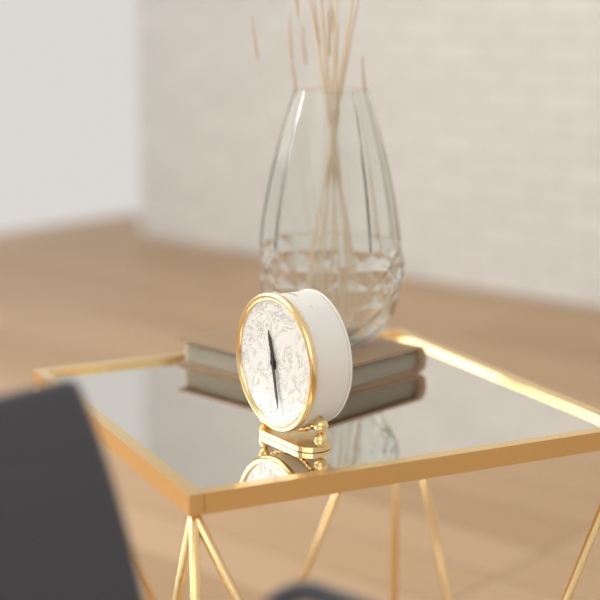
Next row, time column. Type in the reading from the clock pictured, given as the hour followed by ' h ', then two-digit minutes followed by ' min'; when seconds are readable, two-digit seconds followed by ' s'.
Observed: 11 h 28 min
